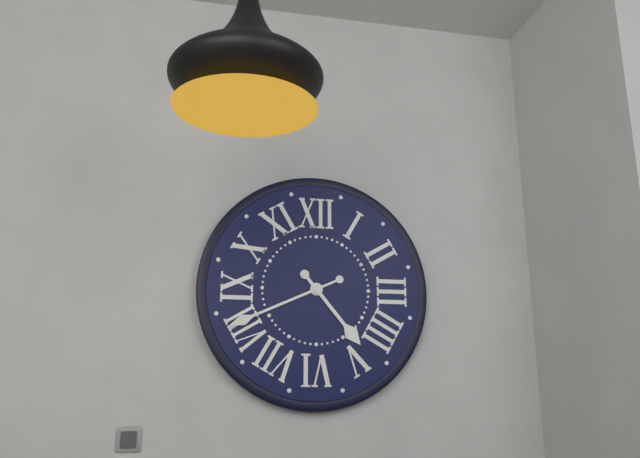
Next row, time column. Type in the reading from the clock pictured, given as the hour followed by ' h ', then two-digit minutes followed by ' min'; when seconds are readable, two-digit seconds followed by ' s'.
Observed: 4 h 41 min
